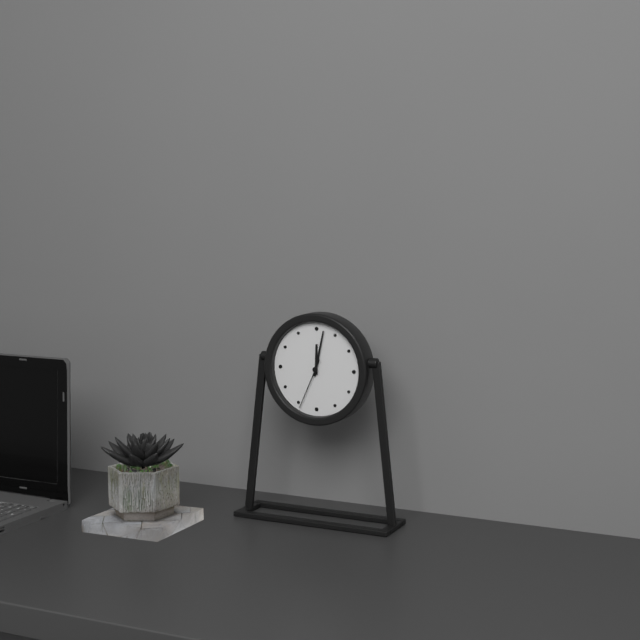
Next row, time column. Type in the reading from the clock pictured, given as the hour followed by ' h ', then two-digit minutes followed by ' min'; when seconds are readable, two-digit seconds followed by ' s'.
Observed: 12 h 02 min 34 s
